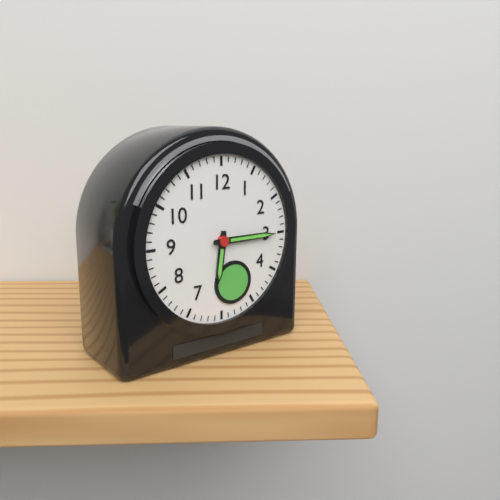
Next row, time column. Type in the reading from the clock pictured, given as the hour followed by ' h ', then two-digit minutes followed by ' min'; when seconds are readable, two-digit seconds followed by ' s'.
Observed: 6 h 15 min
